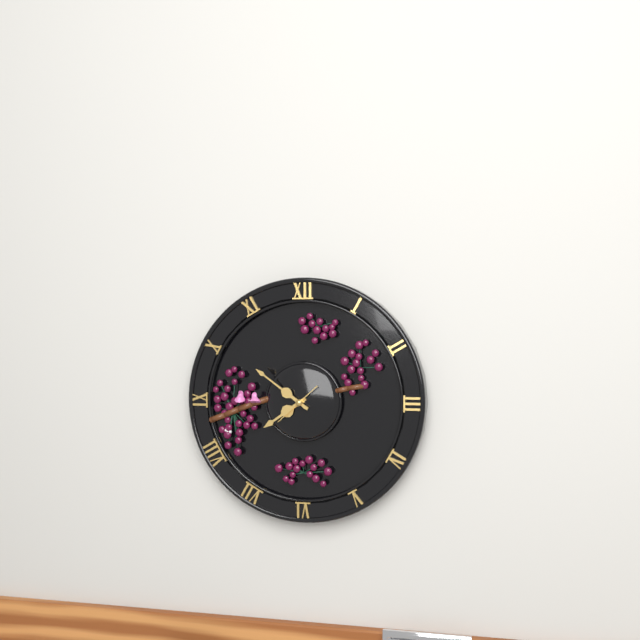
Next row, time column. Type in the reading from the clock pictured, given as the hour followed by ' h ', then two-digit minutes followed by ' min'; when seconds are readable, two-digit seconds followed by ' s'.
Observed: 7 h 51 min
